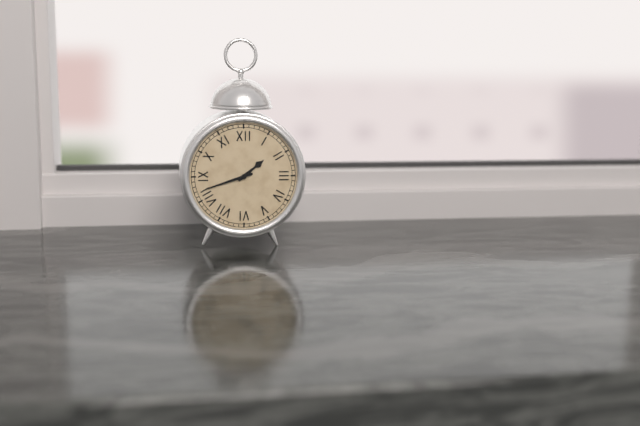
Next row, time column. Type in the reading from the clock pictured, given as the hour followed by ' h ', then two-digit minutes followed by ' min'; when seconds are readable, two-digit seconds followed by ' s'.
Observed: 1 h 42 min
